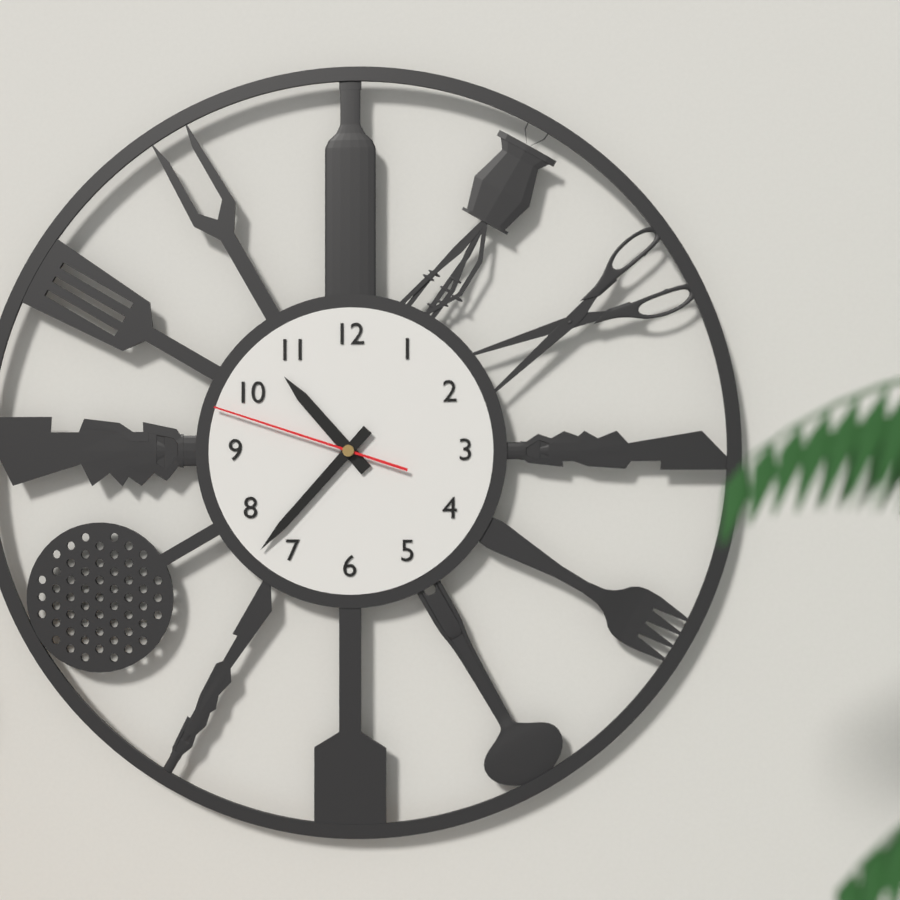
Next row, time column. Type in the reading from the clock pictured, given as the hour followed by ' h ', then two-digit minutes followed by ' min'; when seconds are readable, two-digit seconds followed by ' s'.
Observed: 10 h 37 min 48 s
